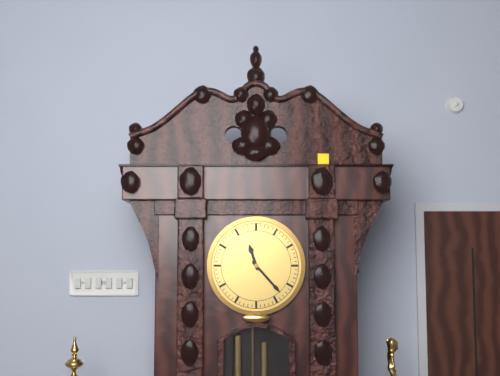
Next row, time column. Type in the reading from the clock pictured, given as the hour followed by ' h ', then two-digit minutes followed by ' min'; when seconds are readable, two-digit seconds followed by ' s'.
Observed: 11 h 23 min
